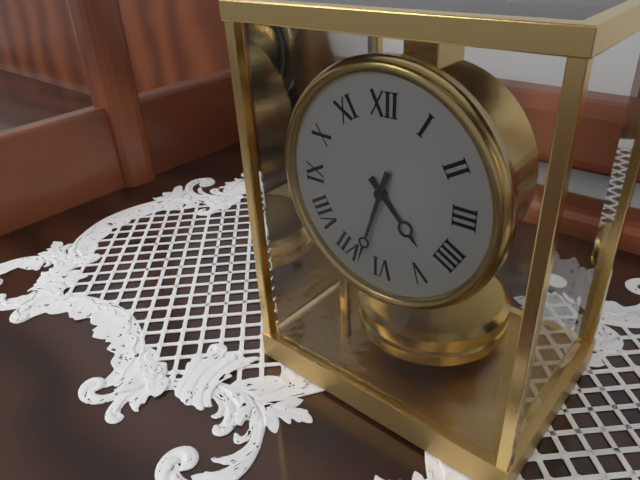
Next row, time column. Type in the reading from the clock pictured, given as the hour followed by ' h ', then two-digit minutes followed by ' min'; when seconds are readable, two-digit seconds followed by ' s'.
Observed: 4 h 33 min
